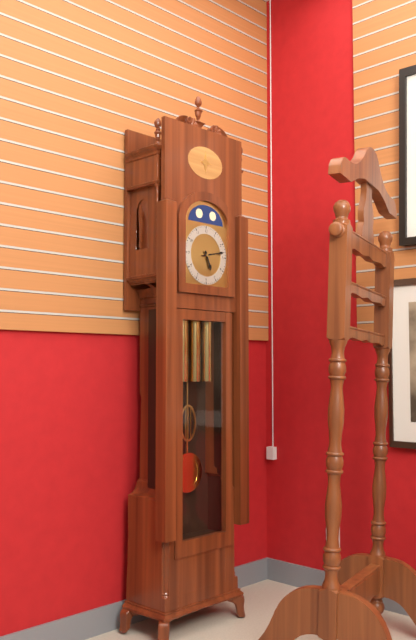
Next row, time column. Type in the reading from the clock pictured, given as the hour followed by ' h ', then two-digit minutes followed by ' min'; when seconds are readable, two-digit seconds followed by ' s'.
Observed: 5 h 13 min
